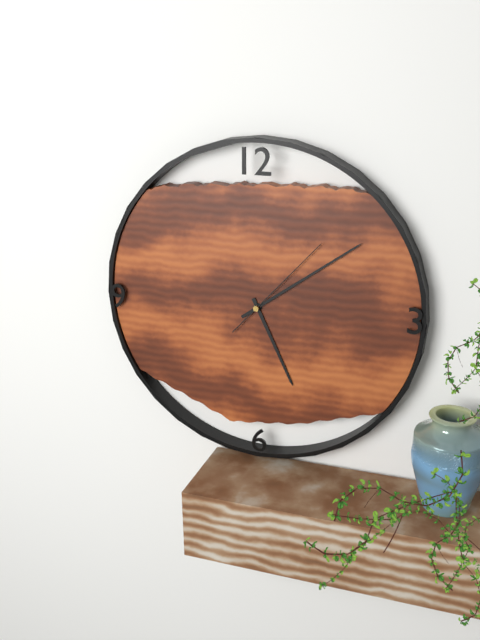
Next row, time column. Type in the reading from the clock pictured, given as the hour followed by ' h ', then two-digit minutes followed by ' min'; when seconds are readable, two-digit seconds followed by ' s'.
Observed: 5 h 09 min 07 s
